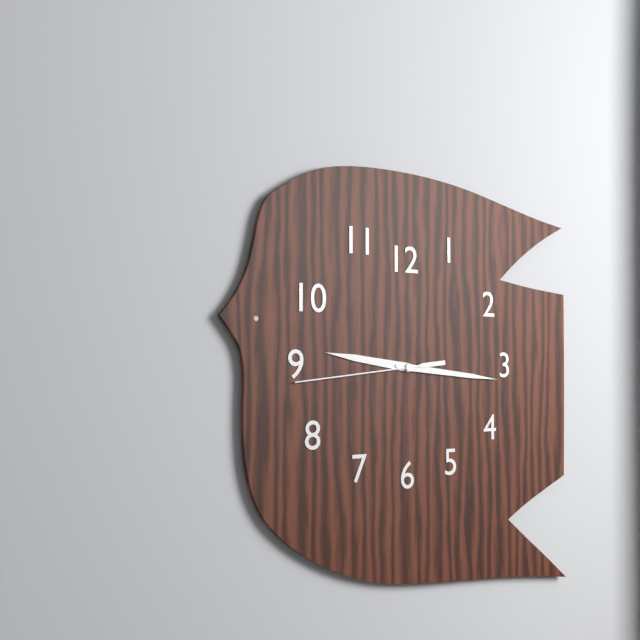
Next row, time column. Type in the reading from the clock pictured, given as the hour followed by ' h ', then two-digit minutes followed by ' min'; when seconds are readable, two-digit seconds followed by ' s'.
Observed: 9 h 16 min 44 s
